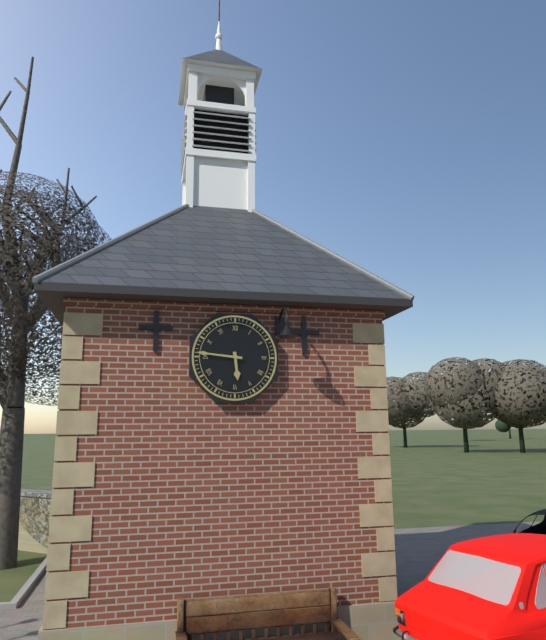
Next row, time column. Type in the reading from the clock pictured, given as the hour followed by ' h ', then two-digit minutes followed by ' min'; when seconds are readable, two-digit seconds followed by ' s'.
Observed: 5 h 46 min
